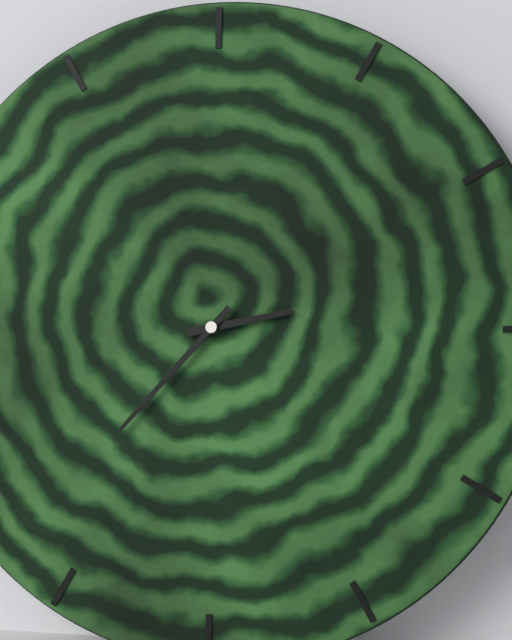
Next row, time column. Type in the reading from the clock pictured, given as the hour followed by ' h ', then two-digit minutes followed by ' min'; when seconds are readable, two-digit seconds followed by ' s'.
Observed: 2 h 37 min
